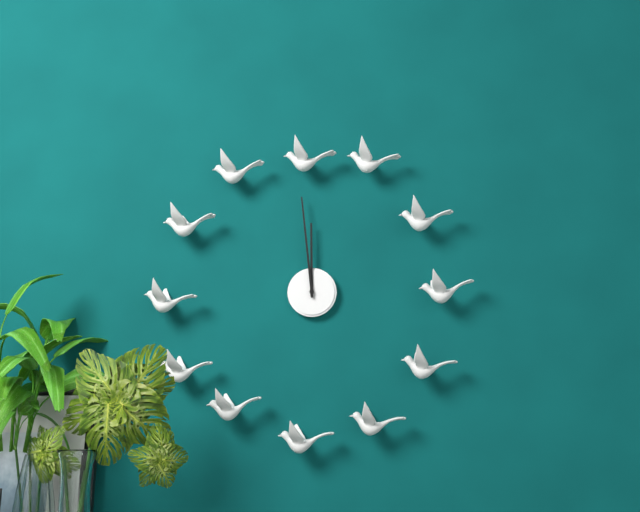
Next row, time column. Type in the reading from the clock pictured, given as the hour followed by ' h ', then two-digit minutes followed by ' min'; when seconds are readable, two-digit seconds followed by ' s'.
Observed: 11 h 59 min
